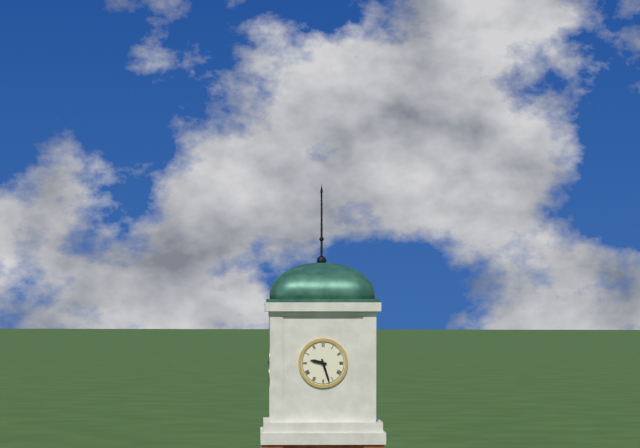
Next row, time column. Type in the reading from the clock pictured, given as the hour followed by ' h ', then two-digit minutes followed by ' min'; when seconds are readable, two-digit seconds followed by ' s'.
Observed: 9 h 27 min
